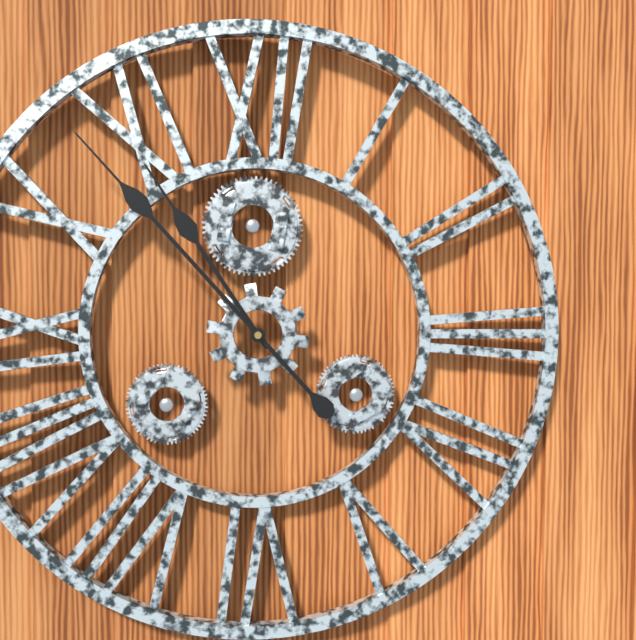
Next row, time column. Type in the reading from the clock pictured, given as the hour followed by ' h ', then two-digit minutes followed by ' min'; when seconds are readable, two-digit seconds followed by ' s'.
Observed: 10 h 53 min
